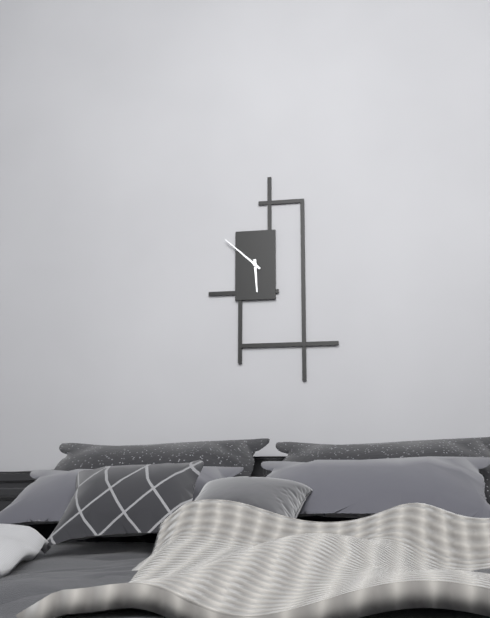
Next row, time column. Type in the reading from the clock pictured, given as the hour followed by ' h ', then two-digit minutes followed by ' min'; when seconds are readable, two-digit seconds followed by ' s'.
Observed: 5 h 52 min
